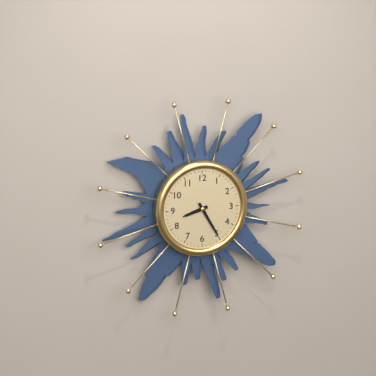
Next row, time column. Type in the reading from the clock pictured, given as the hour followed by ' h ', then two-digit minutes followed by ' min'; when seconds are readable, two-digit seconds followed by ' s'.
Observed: 8 h 25 min
